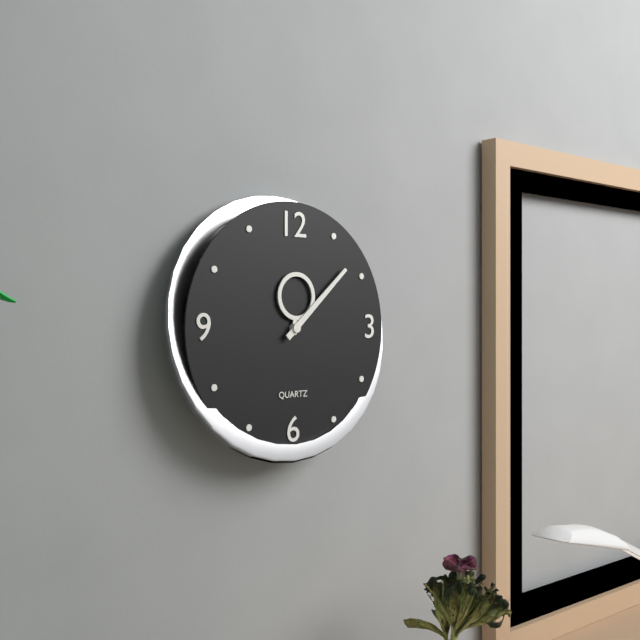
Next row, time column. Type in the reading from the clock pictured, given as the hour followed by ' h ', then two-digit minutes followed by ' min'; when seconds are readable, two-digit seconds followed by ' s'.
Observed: 12 h 08 min
